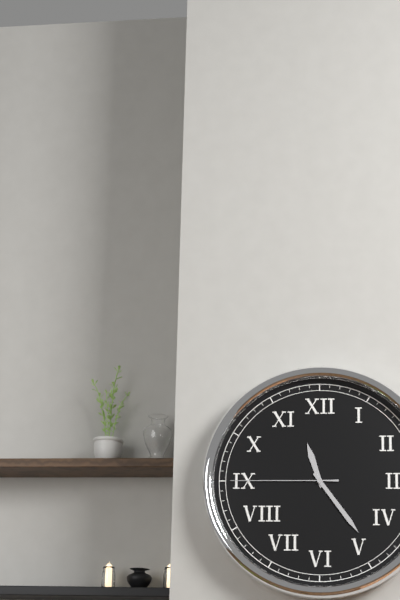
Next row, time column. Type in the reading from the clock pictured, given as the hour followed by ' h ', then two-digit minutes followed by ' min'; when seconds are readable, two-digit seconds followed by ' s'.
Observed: 11 h 24 min 45 s
